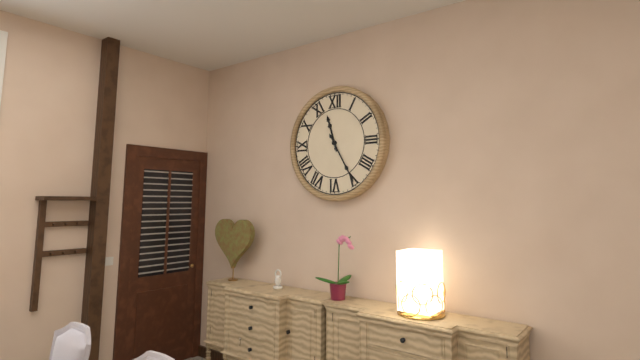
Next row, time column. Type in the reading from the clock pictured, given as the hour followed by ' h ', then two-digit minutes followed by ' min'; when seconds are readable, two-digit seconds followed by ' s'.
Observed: 11 h 25 min
